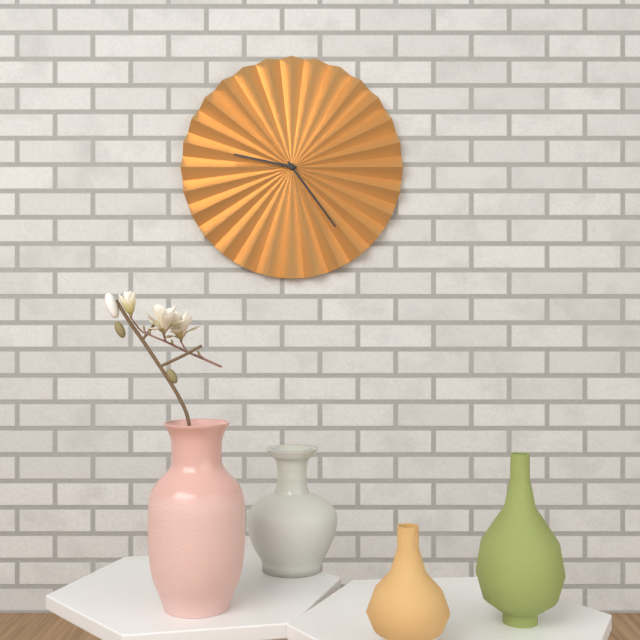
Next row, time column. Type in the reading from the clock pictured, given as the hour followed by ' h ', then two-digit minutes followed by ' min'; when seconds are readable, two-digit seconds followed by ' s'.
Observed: 9 h 24 min
